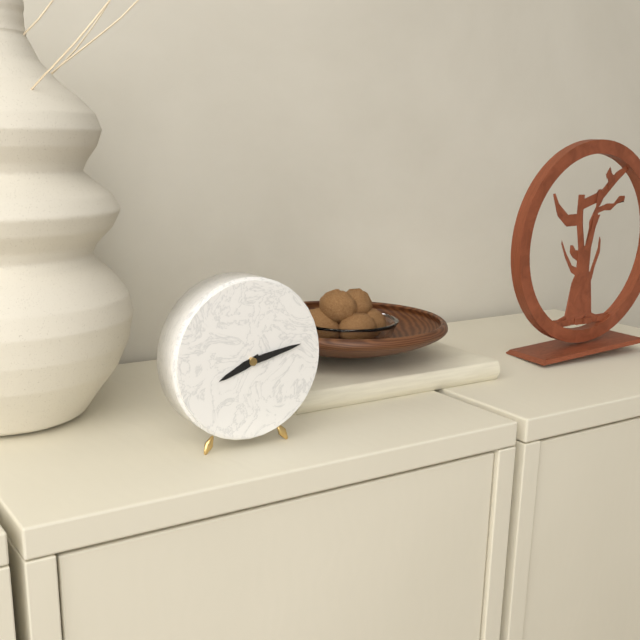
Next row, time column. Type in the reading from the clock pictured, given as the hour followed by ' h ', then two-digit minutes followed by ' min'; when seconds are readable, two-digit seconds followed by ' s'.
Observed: 8 h 13 min
